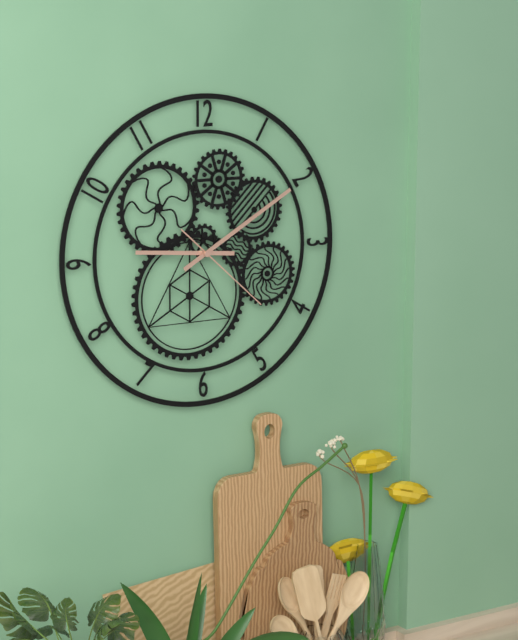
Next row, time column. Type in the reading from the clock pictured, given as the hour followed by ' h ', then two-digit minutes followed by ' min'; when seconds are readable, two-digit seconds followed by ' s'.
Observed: 9 h 10 min 22 s
